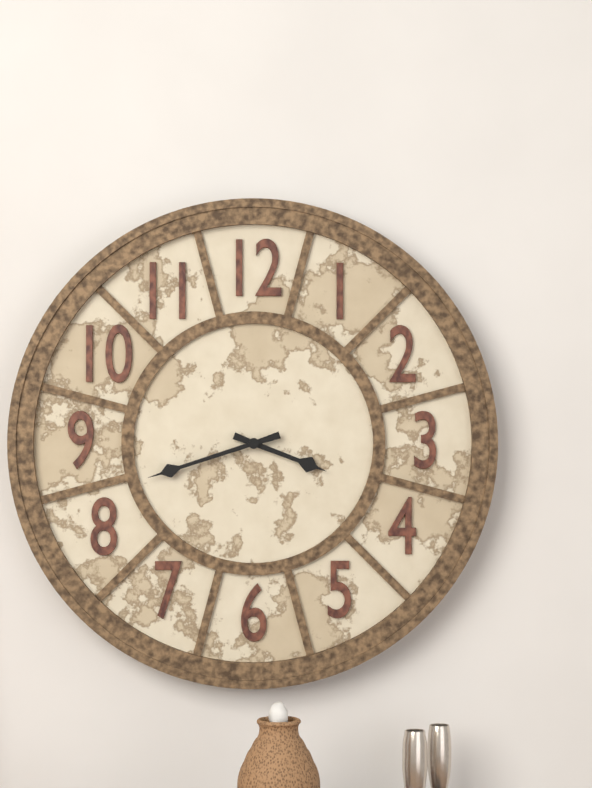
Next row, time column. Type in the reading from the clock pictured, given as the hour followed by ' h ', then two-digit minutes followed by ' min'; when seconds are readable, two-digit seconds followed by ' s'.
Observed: 3 h 42 min
